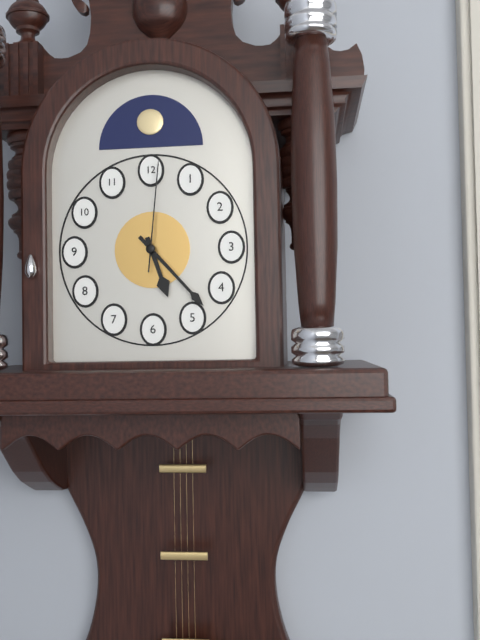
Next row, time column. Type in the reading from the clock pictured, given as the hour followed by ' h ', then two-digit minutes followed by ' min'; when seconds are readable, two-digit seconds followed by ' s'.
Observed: 5 h 23 min 01 s
